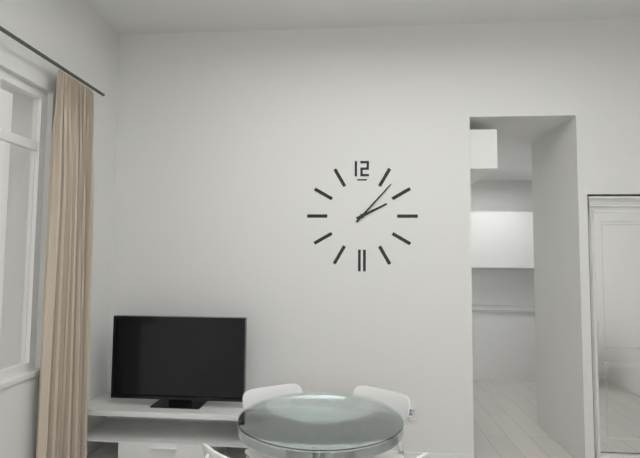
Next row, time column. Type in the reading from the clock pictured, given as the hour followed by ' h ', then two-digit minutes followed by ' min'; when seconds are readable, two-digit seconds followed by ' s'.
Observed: 2 h 07 min
